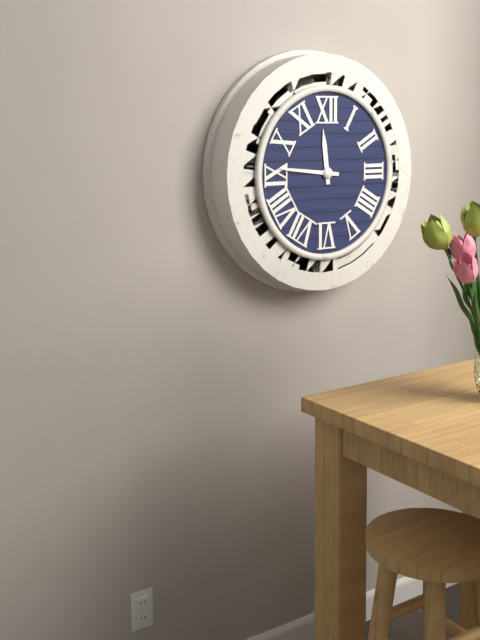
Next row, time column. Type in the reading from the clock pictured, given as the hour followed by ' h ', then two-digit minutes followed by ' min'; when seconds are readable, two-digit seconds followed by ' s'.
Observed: 11 h 46 min
